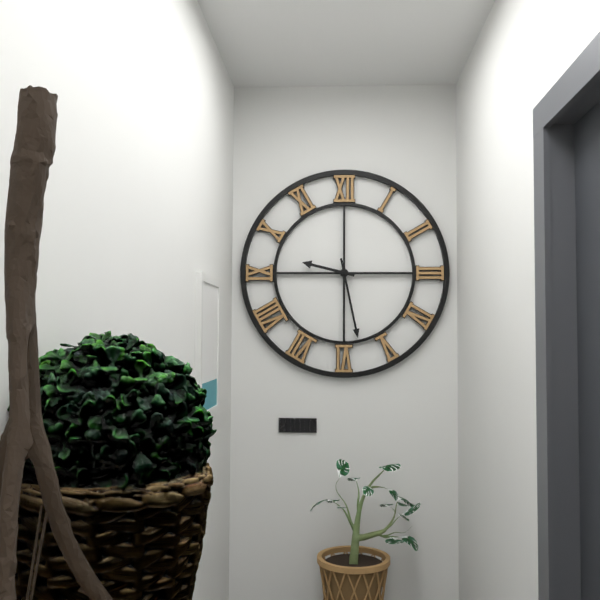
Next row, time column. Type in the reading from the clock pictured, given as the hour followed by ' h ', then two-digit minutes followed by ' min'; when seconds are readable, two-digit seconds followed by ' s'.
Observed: 9 h 28 min
